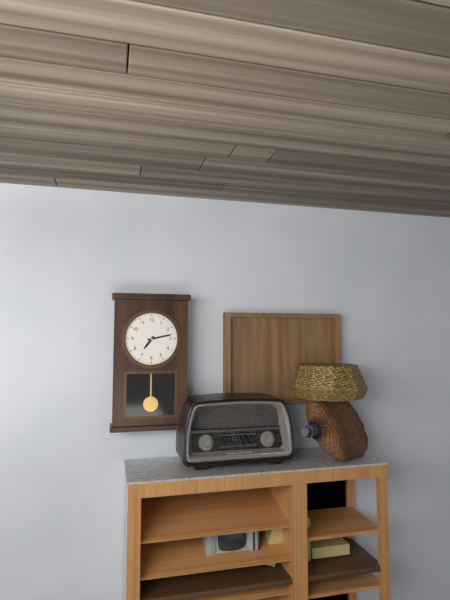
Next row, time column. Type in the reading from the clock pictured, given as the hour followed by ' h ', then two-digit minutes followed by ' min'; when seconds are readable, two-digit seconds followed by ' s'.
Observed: 7 h 13 min
